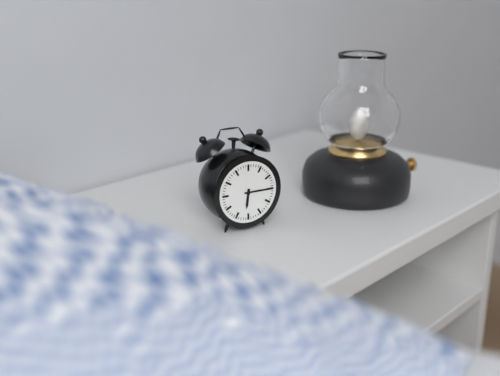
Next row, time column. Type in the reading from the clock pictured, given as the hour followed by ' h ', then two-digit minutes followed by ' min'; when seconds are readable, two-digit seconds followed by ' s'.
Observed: 6 h 15 min
